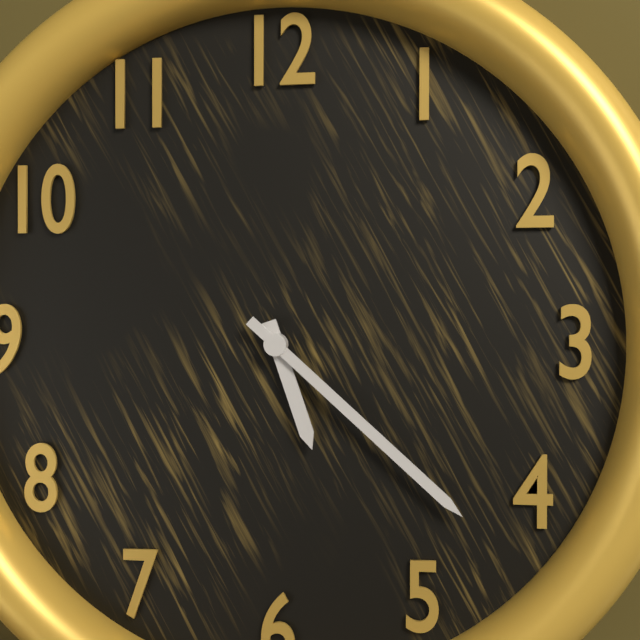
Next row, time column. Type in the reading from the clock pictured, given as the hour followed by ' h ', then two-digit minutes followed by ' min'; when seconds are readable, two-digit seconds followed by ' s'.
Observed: 5 h 22 min
